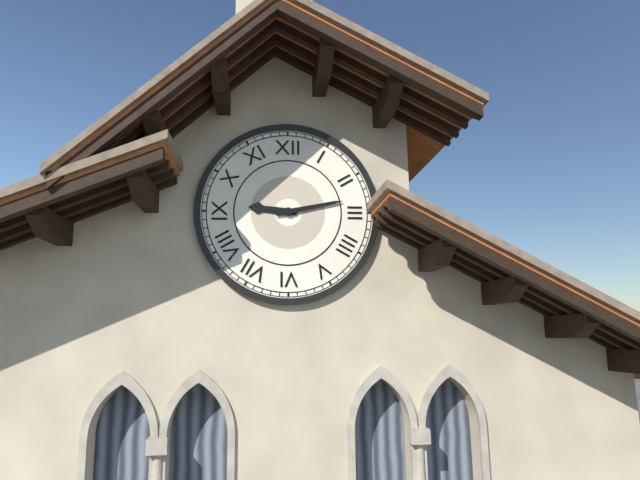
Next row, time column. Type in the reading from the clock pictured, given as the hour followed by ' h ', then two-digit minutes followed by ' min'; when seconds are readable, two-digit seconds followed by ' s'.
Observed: 9 h 13 min
